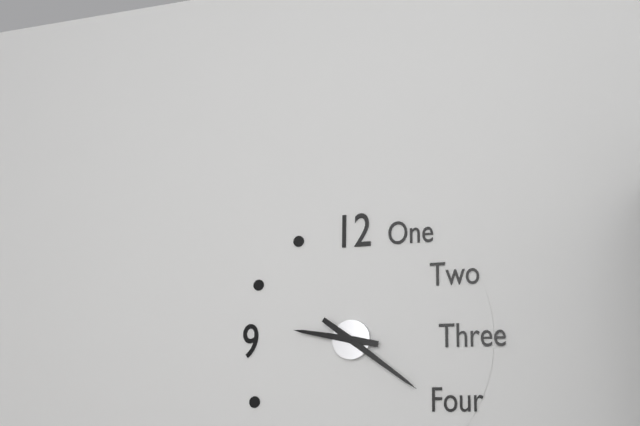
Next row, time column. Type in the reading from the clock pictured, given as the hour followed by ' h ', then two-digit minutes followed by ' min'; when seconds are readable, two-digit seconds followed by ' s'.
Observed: 9 h 21 min
